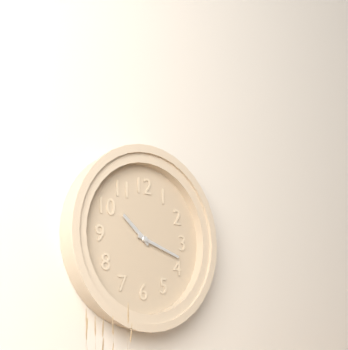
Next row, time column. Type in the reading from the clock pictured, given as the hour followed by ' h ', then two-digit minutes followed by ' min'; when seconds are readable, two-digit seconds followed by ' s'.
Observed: 10 h 18 min
